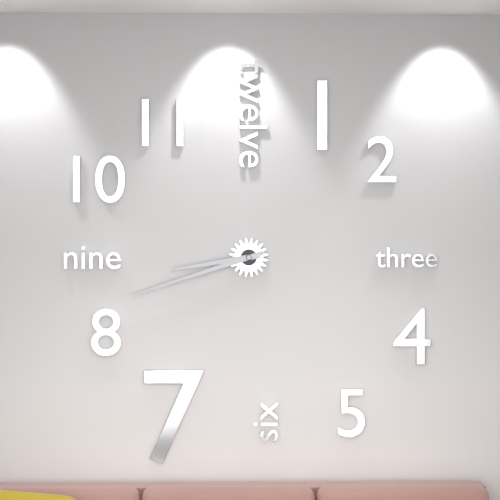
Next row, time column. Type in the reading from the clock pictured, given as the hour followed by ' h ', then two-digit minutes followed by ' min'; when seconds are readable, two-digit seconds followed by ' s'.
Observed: 8 h 42 min
